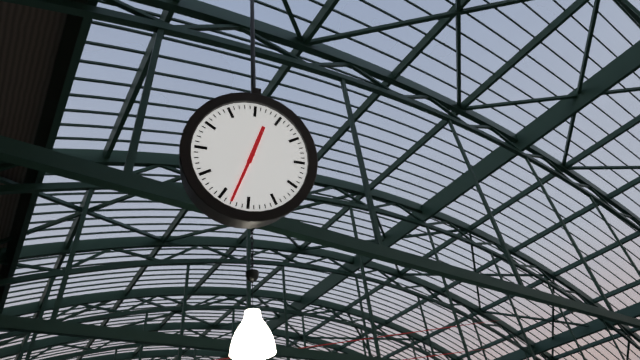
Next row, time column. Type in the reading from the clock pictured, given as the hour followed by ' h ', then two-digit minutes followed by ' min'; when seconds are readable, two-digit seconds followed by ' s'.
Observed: 12 h 33 min
